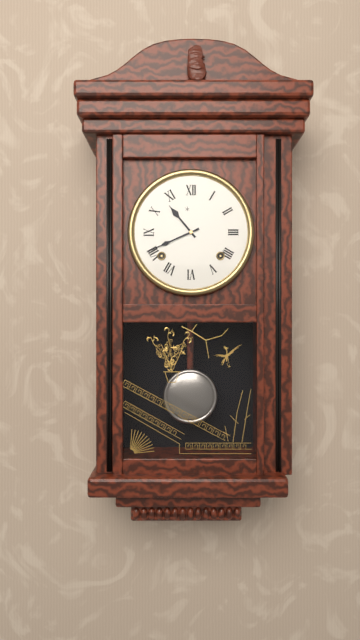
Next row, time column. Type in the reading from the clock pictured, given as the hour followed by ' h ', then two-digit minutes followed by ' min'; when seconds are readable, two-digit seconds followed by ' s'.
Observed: 10 h 41 min
